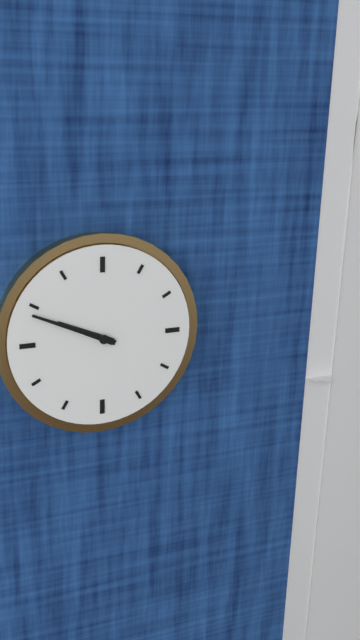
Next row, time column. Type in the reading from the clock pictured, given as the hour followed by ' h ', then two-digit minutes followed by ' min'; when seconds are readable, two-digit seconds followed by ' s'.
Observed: 9 h 49 min
